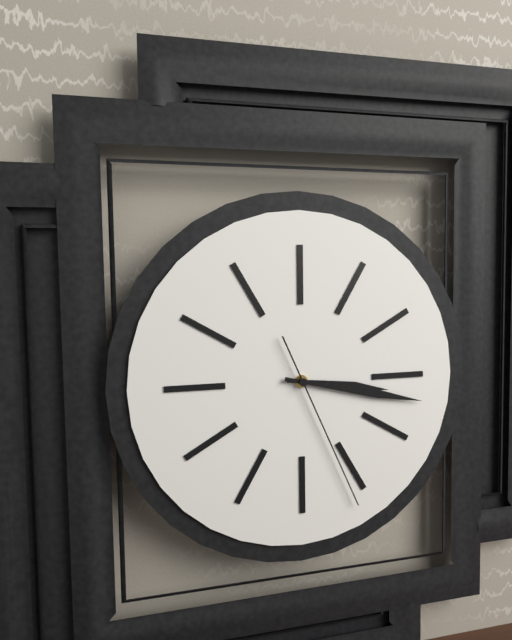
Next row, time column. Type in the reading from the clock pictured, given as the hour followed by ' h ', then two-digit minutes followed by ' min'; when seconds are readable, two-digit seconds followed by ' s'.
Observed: 3 h 17 min 26 s
